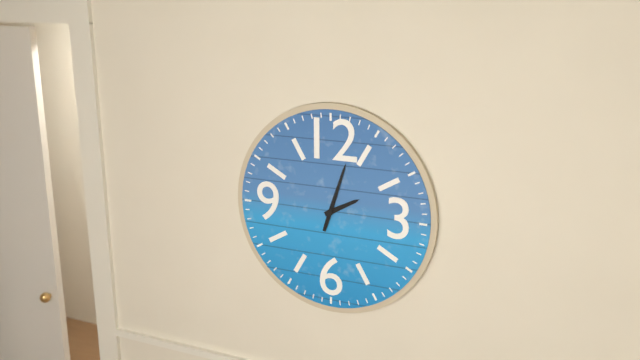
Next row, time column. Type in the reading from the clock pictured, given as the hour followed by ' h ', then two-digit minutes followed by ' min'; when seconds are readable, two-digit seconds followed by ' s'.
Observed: 2 h 03 min
